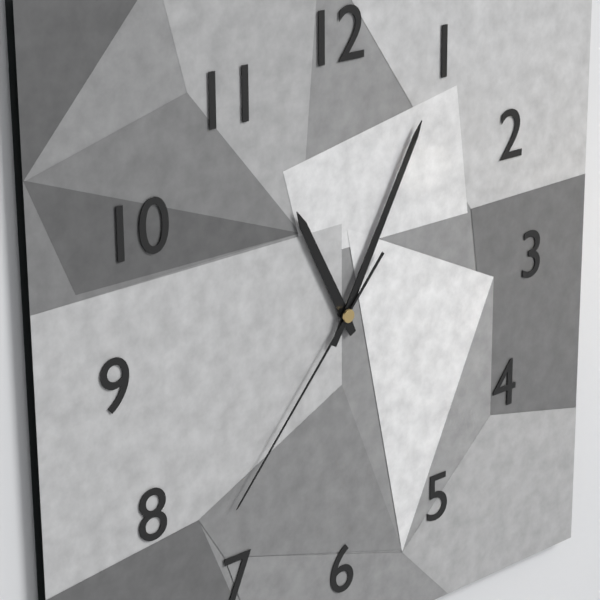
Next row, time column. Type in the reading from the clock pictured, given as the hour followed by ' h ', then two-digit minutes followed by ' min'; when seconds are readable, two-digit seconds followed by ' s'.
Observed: 11 h 05 min 37 s
